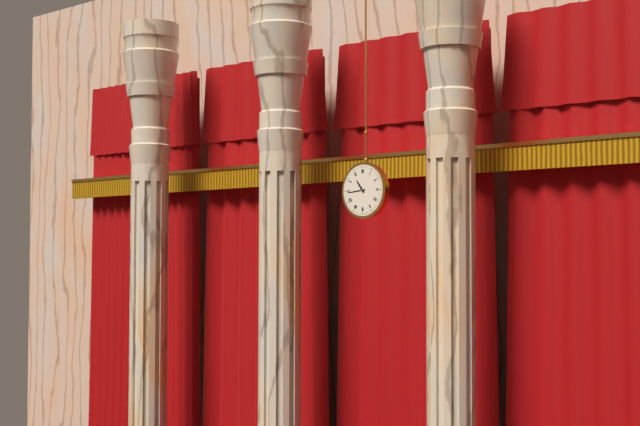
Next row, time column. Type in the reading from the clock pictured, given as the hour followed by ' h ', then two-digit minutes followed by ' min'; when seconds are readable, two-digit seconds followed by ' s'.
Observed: 10 h 44 min
